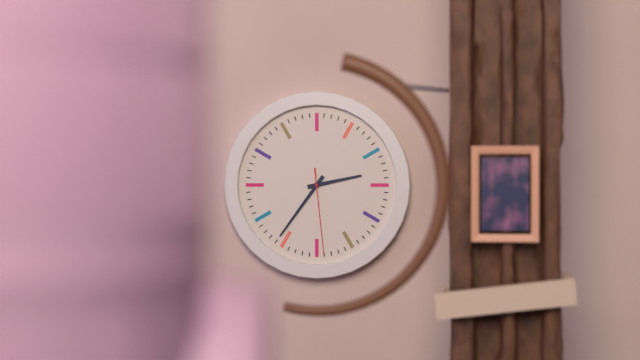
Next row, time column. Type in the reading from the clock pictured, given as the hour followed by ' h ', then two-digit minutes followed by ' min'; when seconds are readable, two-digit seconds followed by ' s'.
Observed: 2 h 36 min 29 s
